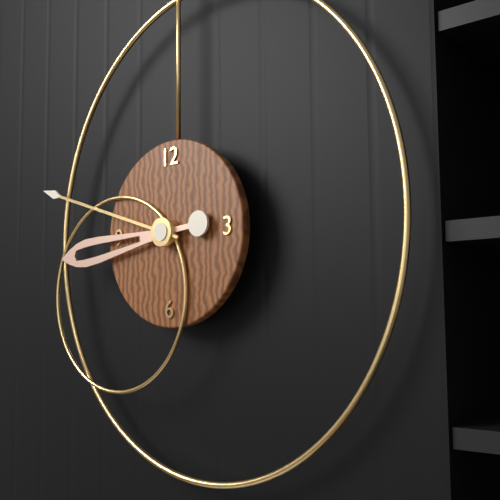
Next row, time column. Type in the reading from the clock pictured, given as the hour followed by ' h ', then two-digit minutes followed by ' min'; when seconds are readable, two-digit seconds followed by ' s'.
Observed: 8 h 48 min
